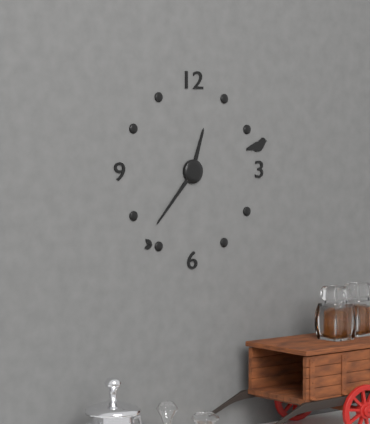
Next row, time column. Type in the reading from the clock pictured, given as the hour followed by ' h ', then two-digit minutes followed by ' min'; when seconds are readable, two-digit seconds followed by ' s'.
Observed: 12 h 37 min
